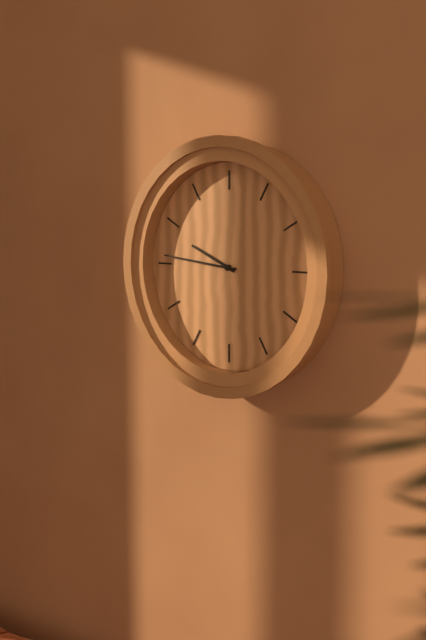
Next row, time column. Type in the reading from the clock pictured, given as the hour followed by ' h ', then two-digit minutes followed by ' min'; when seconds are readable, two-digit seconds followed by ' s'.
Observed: 9 h 46 min
